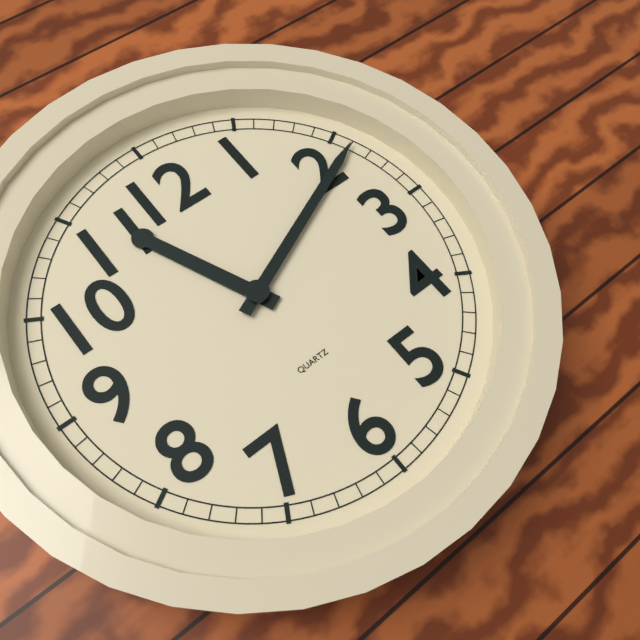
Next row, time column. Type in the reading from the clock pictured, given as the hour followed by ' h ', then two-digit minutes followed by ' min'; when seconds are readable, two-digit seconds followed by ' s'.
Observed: 11 h 11 min
